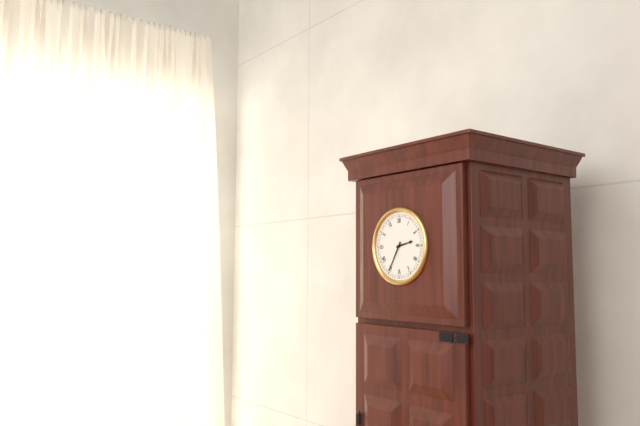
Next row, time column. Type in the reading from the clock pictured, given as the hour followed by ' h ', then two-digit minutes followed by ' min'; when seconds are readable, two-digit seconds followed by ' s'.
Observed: 2 h 35 min
